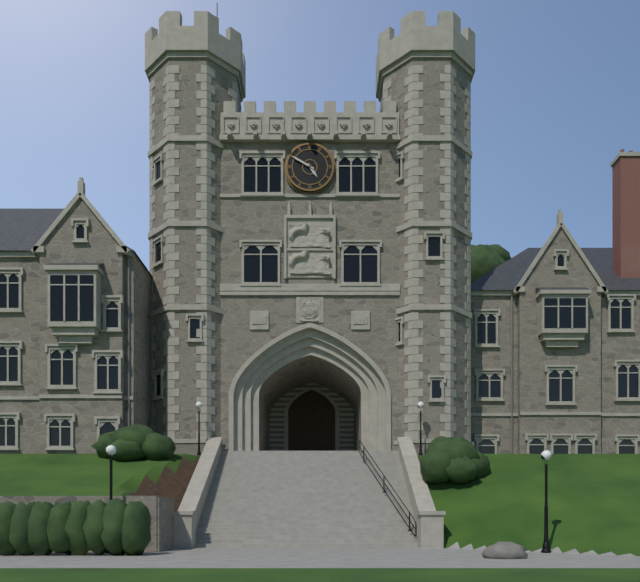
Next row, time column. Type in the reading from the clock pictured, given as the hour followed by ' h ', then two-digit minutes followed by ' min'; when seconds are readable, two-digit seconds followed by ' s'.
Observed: 4 h 50 min
